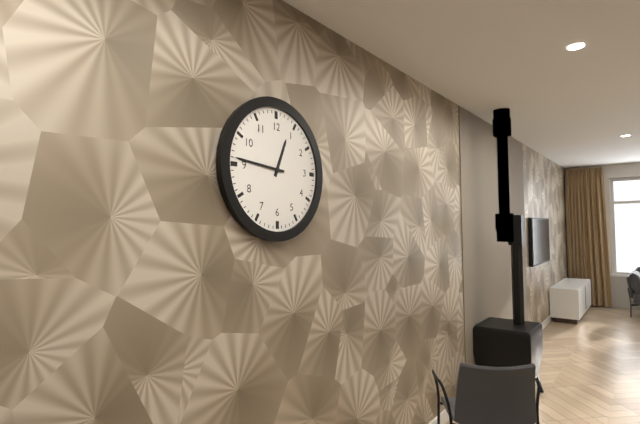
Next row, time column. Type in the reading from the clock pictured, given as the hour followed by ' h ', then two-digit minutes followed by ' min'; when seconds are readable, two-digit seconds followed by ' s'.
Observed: 12 h 46 min
